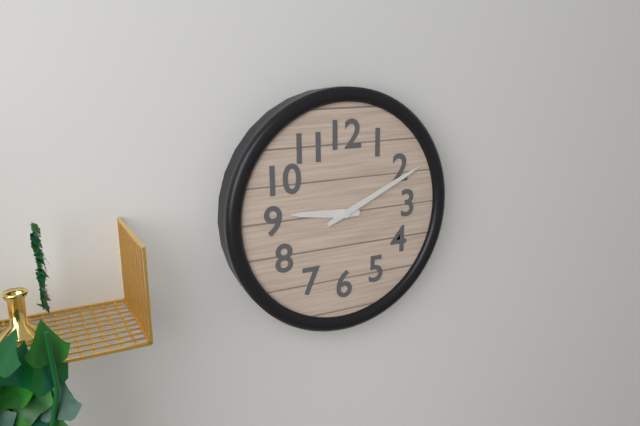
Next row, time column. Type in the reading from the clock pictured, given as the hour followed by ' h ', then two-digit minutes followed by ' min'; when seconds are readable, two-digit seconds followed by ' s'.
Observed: 9 h 11 min
